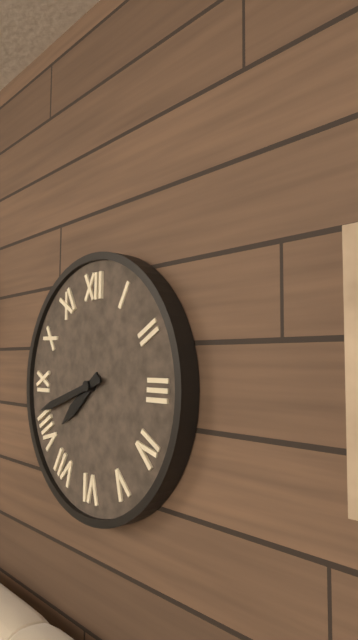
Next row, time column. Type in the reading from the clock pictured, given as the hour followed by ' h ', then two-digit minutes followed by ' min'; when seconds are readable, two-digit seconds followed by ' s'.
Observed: 7 h 42 min
